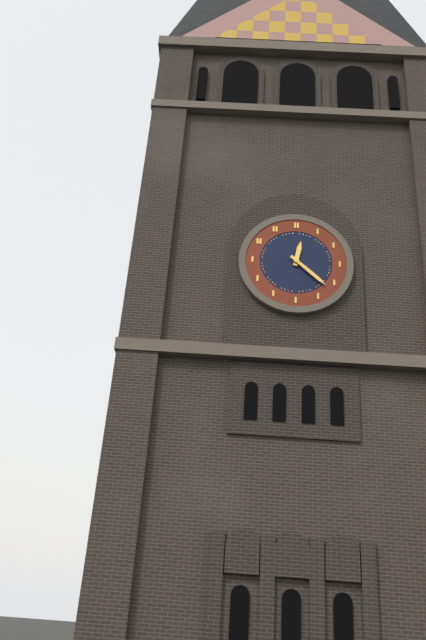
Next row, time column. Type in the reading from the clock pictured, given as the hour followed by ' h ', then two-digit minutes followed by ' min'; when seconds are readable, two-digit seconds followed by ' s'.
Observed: 12 h 22 min
